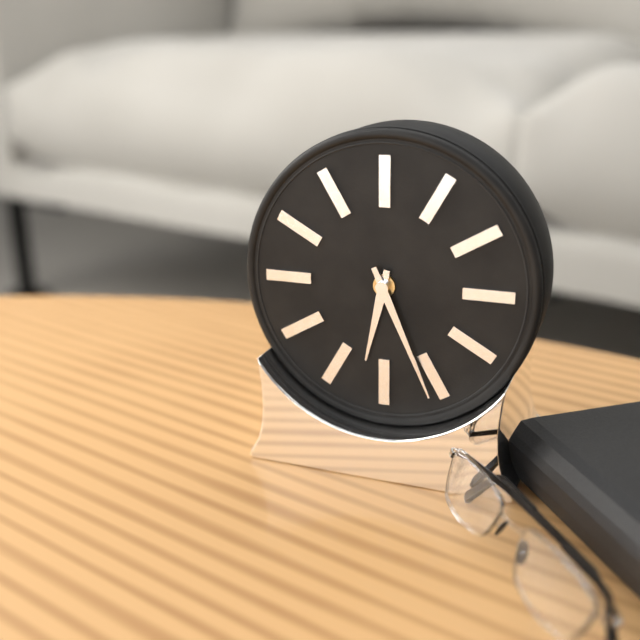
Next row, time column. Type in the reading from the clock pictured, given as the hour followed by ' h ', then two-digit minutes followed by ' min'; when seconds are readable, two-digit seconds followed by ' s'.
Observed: 6 h 26 min
